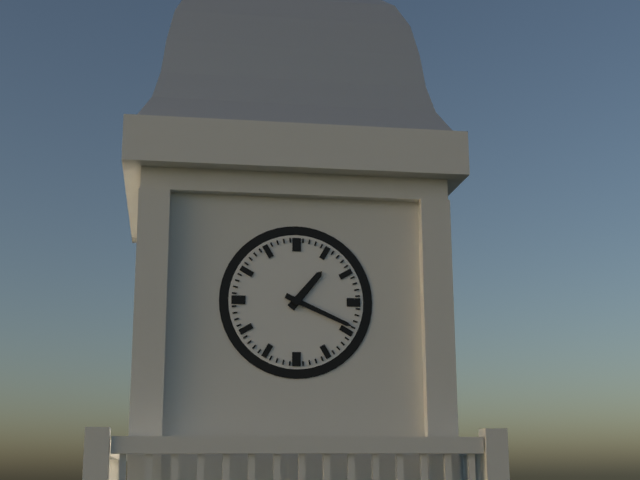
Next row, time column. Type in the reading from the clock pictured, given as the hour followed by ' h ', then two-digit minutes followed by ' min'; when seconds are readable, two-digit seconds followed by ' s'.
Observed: 1 h 19 min
